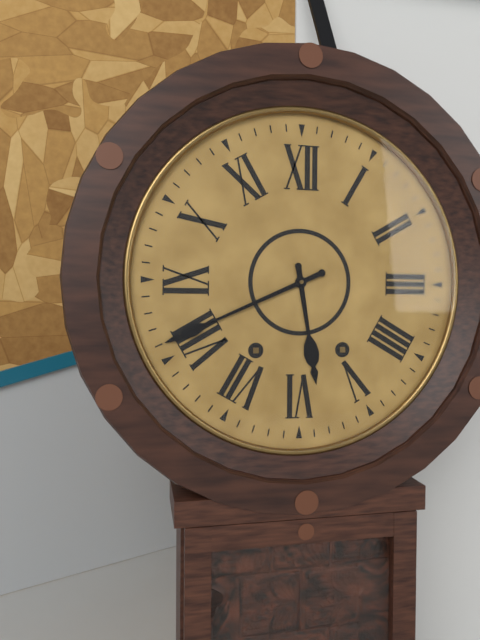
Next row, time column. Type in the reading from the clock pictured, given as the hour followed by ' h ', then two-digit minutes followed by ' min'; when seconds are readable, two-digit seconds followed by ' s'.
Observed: 5 h 41 min
